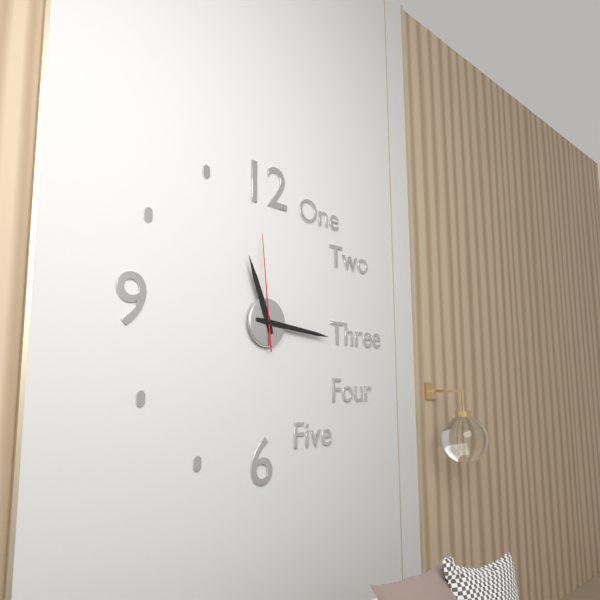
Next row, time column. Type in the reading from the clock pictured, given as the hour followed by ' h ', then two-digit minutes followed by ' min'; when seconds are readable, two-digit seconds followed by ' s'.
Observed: 11 h 16 min 59 s
